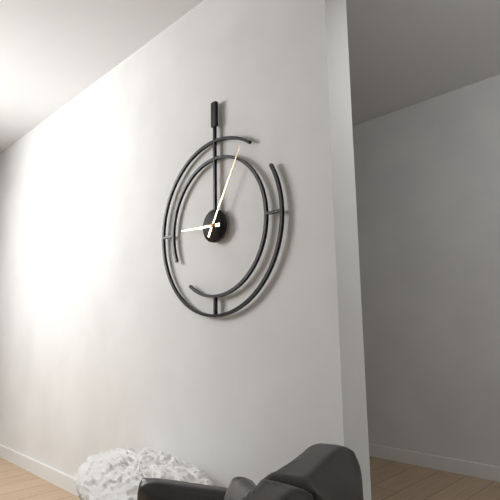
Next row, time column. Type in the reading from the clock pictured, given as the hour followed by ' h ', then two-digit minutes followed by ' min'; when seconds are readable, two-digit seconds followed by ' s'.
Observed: 9 h 05 min
